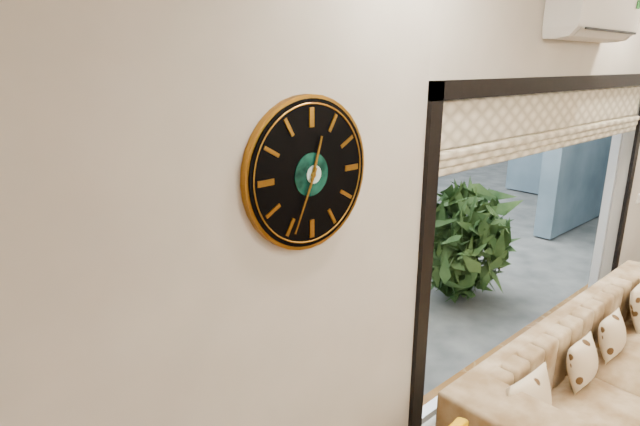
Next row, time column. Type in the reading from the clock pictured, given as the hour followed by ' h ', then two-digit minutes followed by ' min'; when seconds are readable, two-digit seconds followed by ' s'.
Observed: 12 h 34 min
